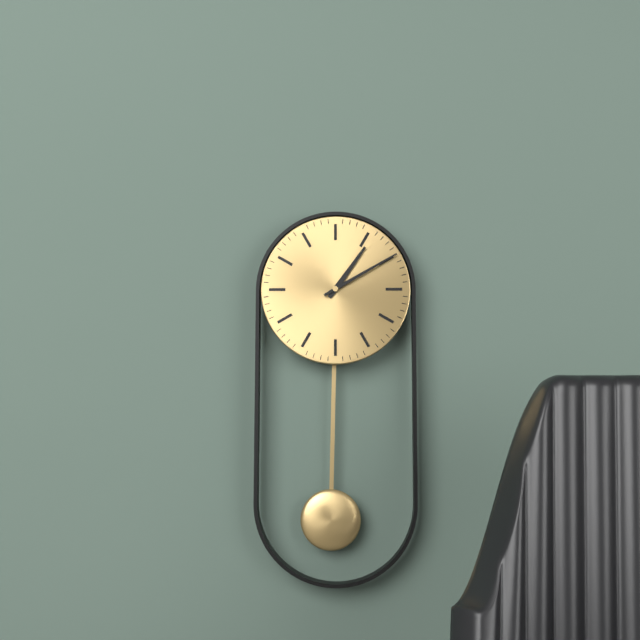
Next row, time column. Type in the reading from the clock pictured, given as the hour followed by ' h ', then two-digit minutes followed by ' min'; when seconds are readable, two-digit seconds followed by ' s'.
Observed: 1 h 10 min
